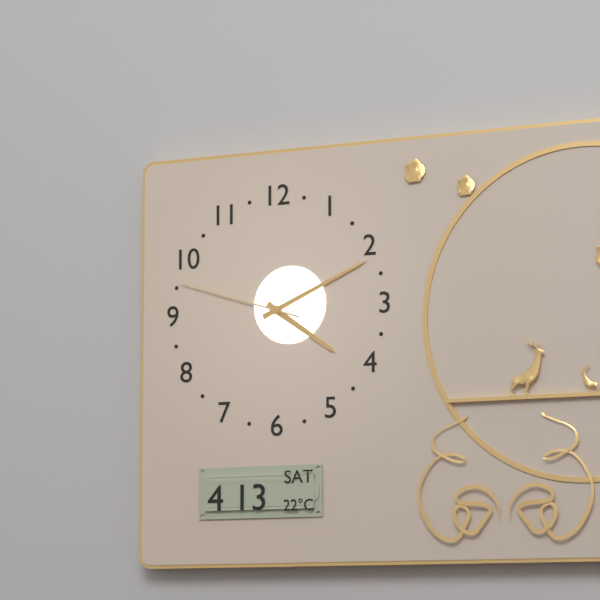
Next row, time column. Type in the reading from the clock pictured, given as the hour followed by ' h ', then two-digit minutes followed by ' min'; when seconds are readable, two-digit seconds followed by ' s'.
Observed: 4 h 11 min 48 s
